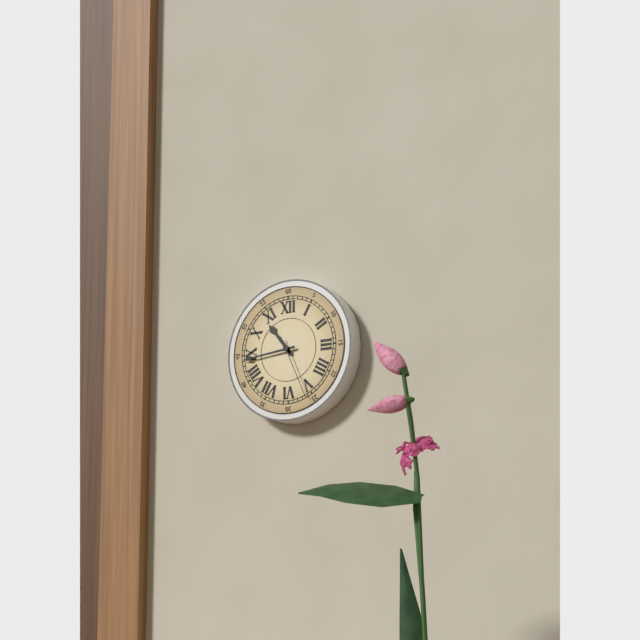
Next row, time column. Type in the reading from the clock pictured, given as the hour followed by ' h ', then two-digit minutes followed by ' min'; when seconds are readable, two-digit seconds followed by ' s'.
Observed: 10 h 44 min 26 s
